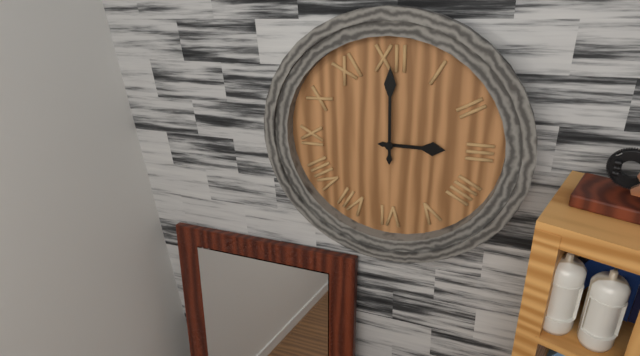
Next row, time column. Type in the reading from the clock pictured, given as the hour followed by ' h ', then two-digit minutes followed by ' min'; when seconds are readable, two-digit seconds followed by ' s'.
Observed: 3 h 00 min
